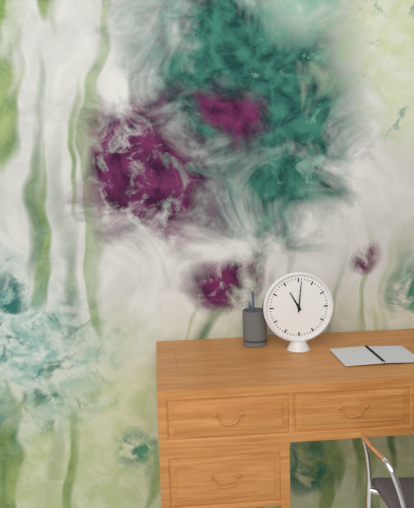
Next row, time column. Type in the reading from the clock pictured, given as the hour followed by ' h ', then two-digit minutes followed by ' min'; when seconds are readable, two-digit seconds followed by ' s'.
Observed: 11 h 01 min
